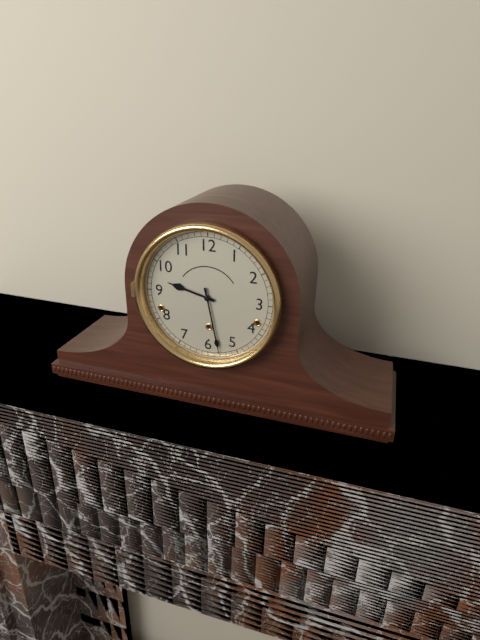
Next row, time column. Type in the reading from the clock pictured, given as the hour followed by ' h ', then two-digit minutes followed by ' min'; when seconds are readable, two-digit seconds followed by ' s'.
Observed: 9 h 28 min
